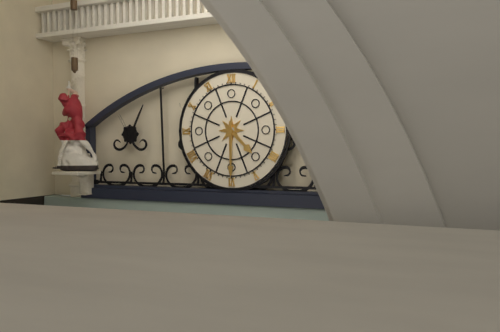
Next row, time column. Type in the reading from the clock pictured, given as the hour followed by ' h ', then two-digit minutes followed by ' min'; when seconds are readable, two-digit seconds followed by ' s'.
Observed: 4 h 30 min
